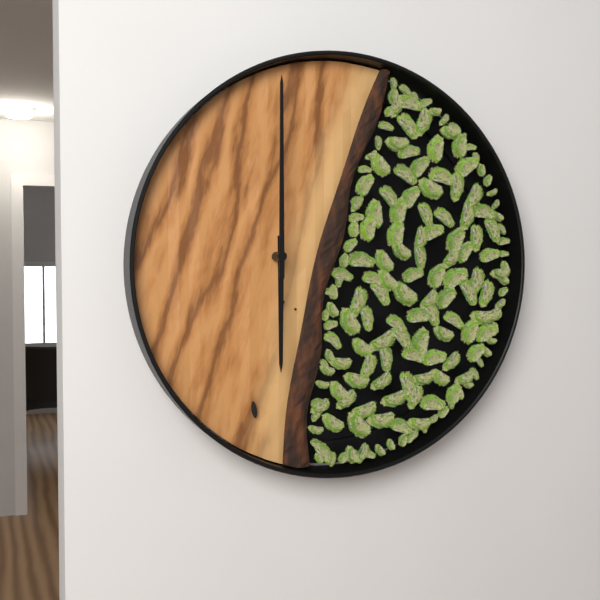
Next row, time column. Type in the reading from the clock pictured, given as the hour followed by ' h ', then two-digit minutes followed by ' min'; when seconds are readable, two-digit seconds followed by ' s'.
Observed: 6 h 00 min
